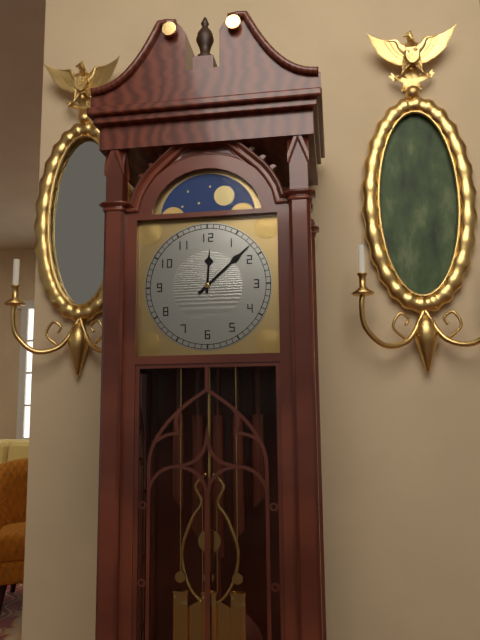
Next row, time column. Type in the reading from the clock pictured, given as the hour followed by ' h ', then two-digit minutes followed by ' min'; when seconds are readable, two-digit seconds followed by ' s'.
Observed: 12 h 08 min
